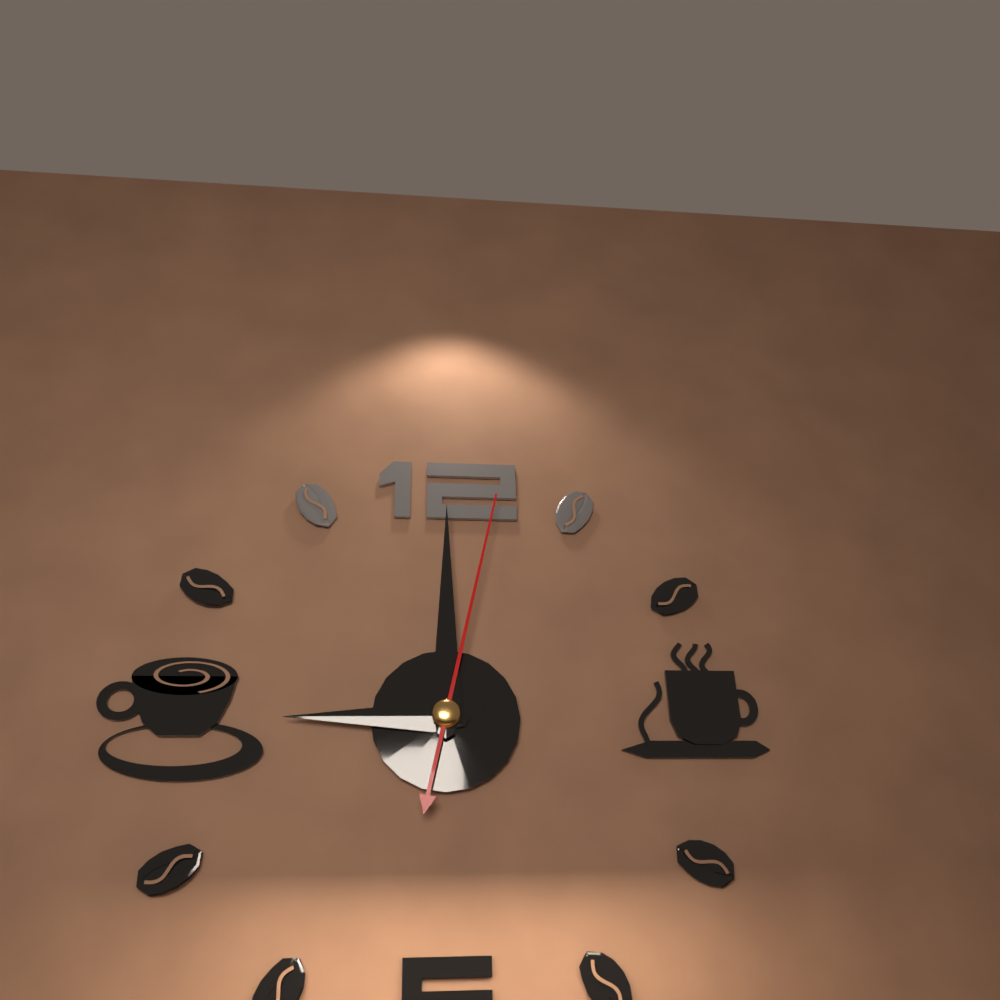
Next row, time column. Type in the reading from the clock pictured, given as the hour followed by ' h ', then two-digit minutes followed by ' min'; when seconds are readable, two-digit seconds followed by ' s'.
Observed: 9 h 00 min 02 s
